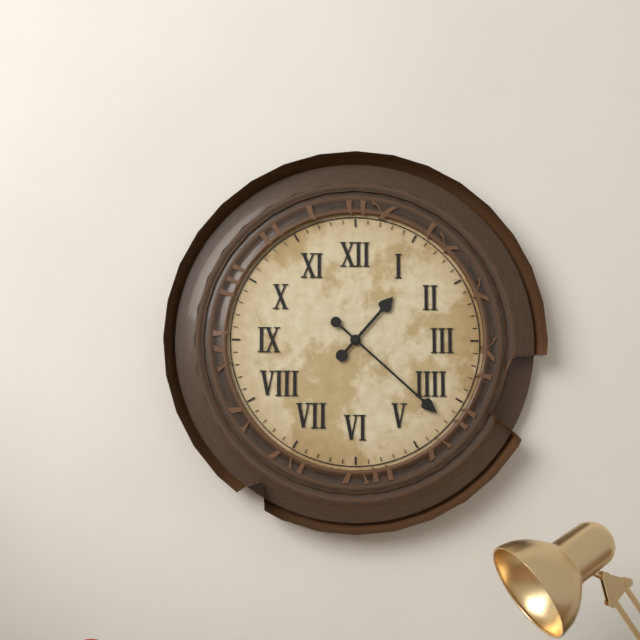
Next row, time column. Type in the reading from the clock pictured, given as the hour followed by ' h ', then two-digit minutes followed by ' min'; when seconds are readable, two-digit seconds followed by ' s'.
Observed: 1 h 22 min
